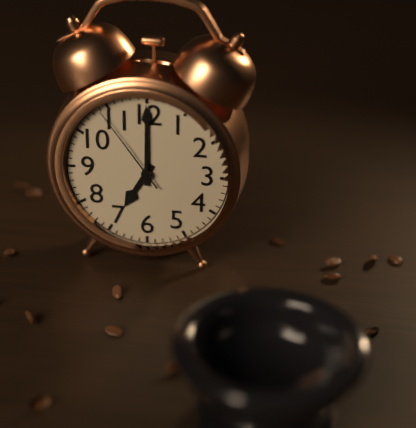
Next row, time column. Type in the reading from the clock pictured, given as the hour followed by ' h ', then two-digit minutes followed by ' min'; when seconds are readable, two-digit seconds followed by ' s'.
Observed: 7 h 00 min 54 s
